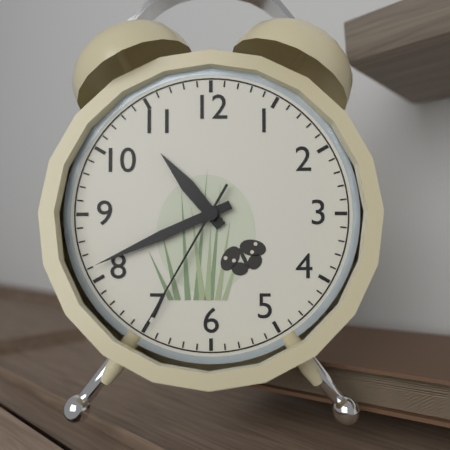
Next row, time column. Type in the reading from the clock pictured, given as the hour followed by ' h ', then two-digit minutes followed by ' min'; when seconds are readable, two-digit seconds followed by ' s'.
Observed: 10 h 41 min 35 s
